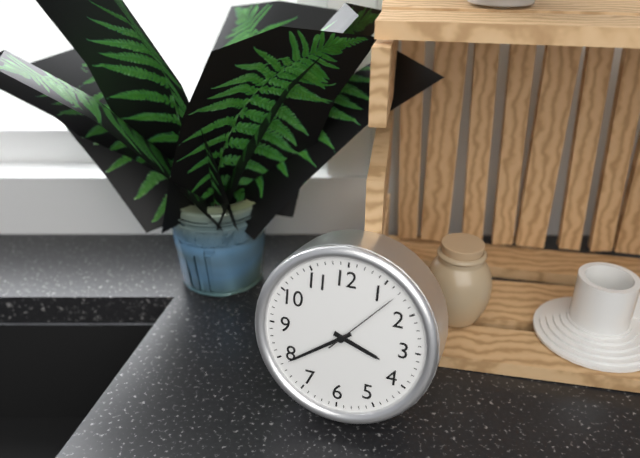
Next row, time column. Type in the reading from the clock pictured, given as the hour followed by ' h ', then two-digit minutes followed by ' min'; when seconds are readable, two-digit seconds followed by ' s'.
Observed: 3 h 39 min 07 s
